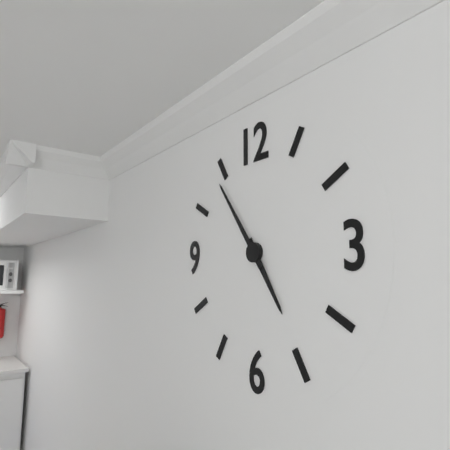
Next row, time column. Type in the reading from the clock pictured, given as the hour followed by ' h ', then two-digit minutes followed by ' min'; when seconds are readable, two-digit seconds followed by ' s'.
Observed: 4 h 54 min
